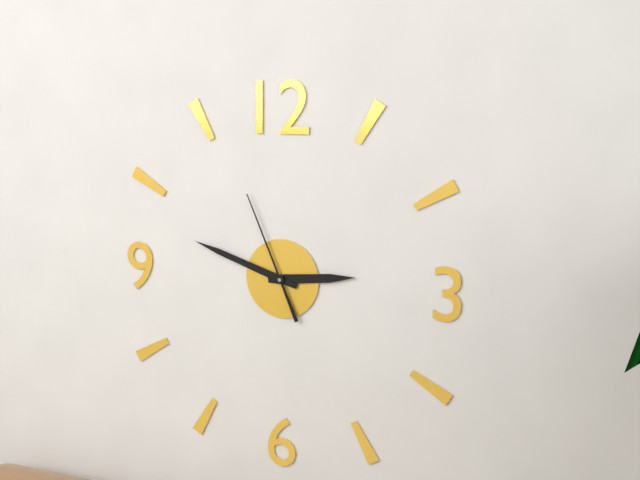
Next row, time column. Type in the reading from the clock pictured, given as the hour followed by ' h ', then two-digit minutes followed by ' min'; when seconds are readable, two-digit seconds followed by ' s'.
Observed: 2 h 48 min 56 s
